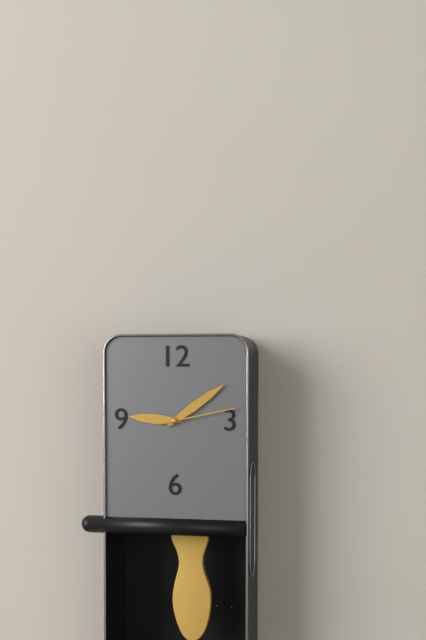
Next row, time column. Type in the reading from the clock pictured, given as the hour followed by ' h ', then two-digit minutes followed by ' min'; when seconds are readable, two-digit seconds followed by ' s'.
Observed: 9 h 09 min 13 s
